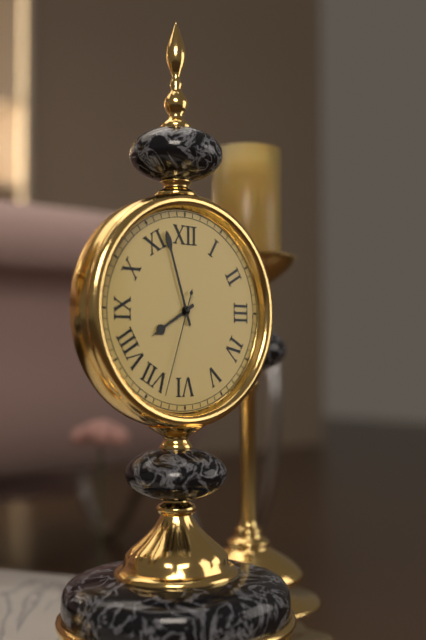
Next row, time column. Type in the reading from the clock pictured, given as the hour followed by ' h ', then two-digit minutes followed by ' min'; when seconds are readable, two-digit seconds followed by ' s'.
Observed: 7 h 57 min 33 s
